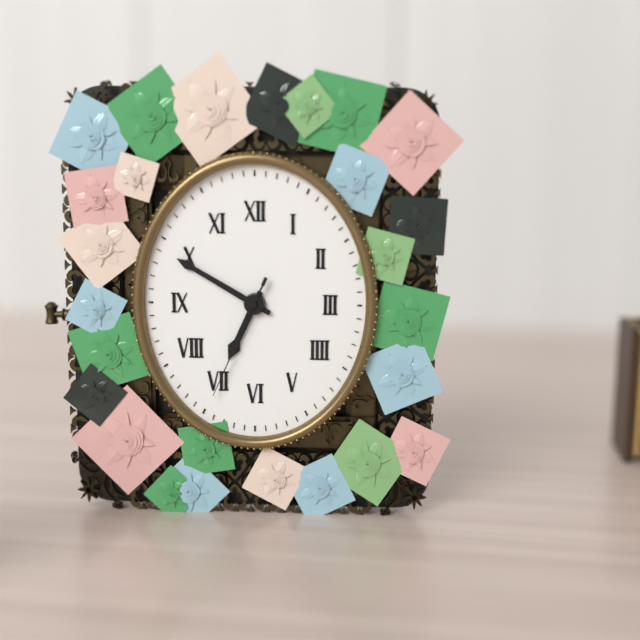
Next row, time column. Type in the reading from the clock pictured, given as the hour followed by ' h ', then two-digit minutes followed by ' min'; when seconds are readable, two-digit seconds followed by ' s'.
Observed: 6 h 50 min 34 s
